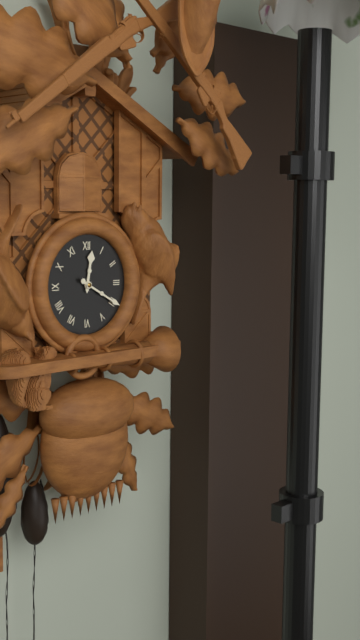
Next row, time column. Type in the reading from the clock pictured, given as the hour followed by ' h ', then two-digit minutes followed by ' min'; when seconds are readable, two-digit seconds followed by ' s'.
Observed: 12 h 20 min
